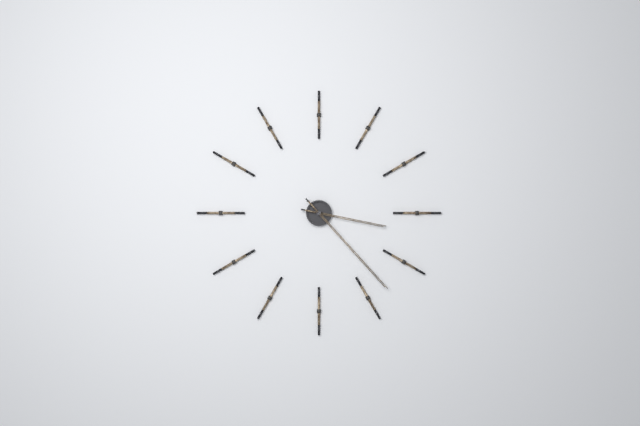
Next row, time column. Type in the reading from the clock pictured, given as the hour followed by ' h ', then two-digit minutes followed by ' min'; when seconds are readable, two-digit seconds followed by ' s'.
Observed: 3 h 23 min
